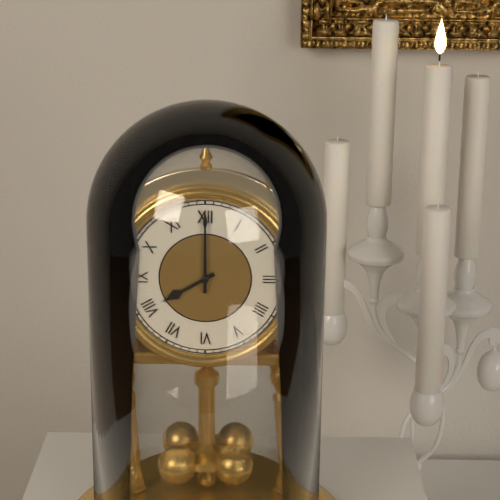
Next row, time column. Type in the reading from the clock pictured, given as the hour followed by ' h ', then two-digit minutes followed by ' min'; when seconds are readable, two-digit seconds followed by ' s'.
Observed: 8 h 00 min
